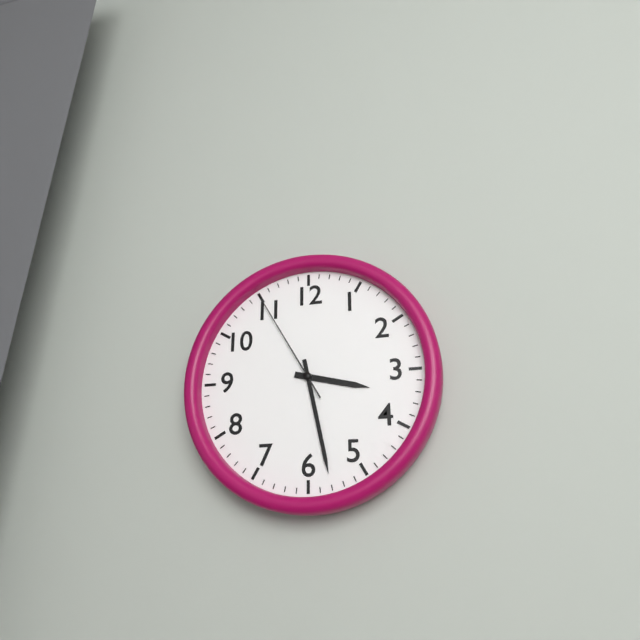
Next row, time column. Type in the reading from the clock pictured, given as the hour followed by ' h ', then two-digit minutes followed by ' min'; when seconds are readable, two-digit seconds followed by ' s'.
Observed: 3 h 28 min 55 s
